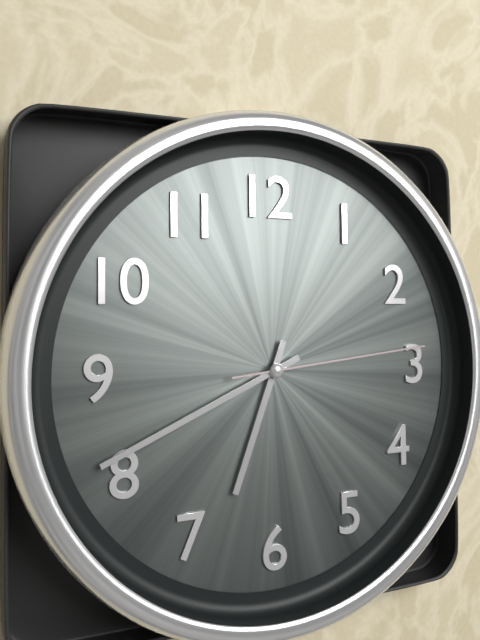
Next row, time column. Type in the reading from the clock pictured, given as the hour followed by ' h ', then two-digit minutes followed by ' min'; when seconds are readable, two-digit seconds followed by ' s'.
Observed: 6 h 41 min 14 s
